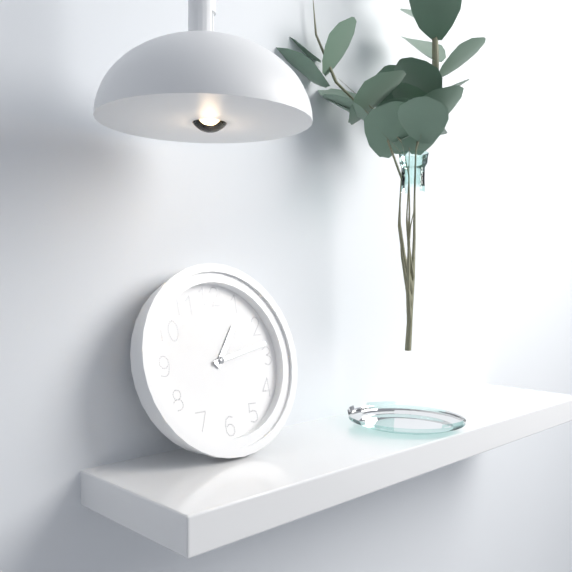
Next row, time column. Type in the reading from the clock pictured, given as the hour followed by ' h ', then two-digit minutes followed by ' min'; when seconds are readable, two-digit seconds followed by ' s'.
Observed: 1 h 13 min
